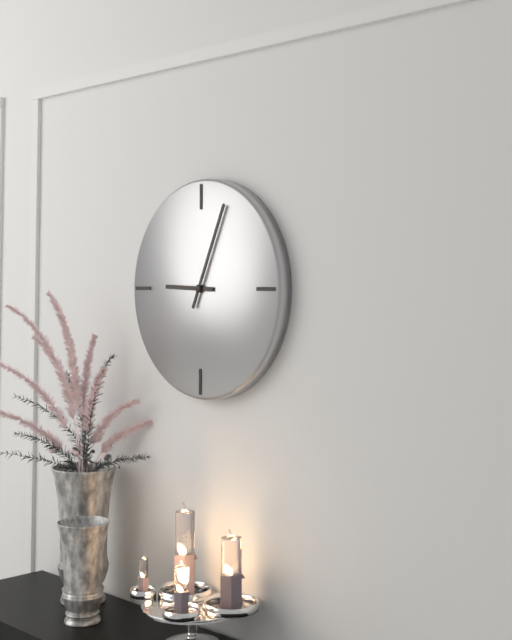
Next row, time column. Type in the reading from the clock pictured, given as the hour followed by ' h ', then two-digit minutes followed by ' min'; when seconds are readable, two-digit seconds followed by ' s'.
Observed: 9 h 04 min
